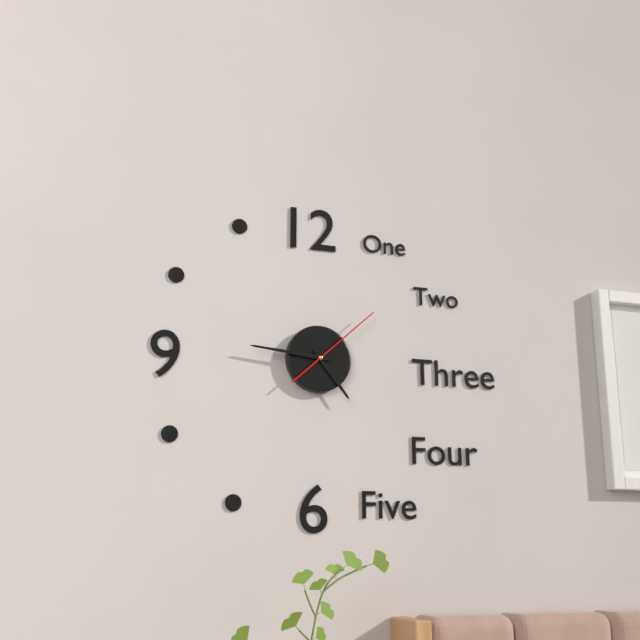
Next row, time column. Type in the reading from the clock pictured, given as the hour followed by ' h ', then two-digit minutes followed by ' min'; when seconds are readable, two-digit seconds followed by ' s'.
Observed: 4 h 46 min 08 s
